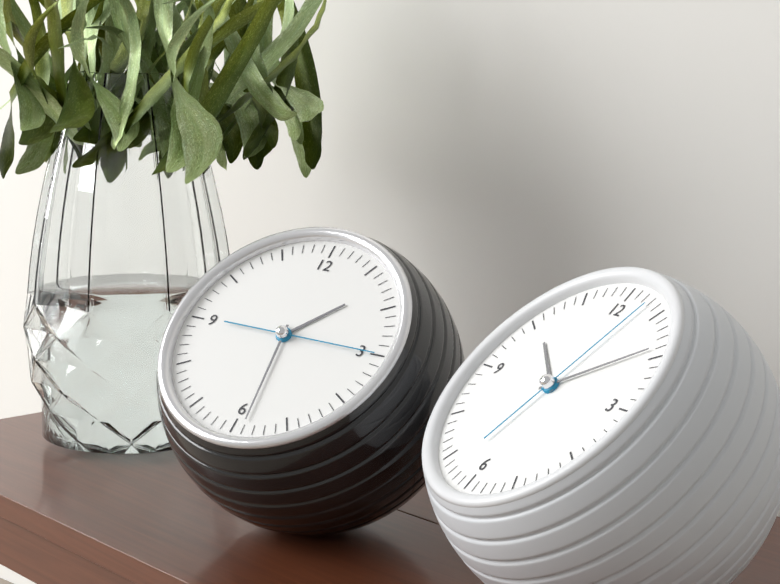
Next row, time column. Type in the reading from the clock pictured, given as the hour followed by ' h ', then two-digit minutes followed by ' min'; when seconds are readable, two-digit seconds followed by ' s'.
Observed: 1 h 29 min 15 s
